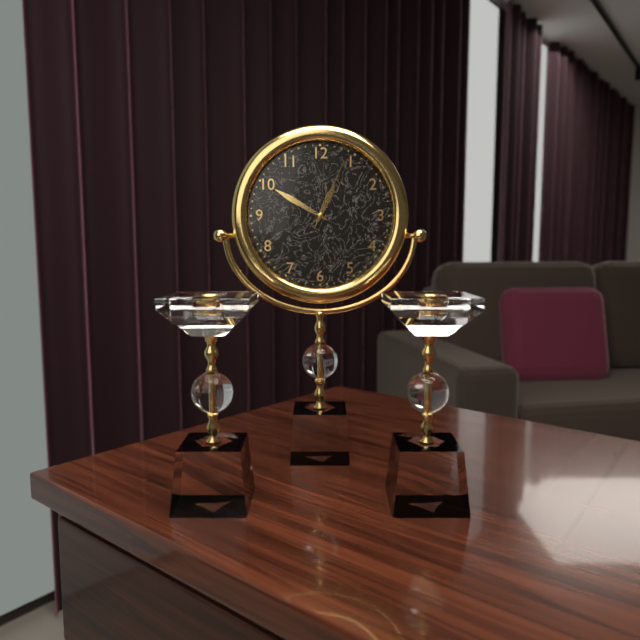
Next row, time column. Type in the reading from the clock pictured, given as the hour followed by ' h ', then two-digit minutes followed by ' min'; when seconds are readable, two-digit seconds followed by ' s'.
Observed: 12 h 50 min 04 s
